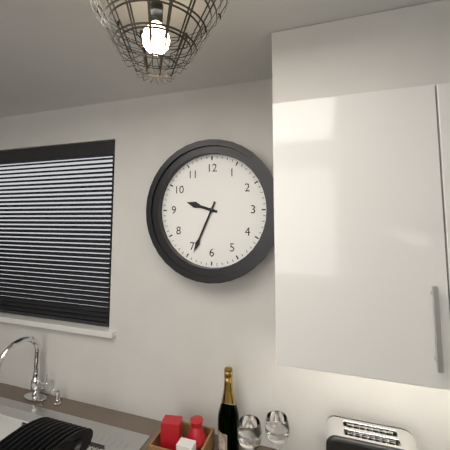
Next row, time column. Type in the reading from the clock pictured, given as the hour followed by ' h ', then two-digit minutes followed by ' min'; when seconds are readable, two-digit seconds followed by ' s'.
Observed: 9 h 34 min
